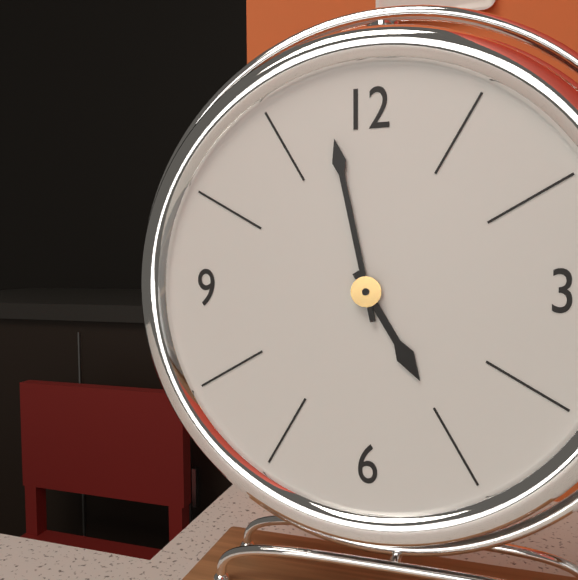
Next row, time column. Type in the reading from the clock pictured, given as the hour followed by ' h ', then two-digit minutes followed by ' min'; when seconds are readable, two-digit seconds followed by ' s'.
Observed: 4 h 58 min
